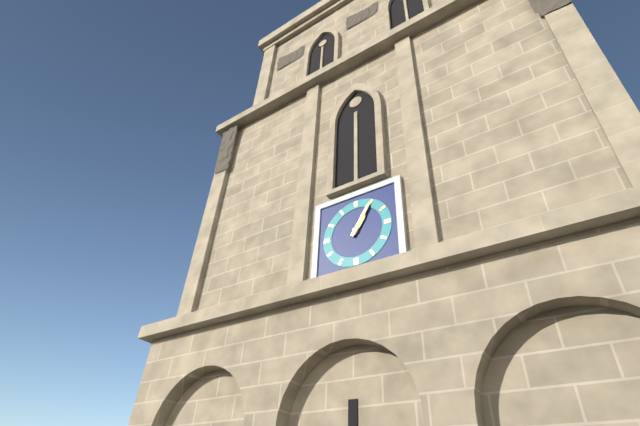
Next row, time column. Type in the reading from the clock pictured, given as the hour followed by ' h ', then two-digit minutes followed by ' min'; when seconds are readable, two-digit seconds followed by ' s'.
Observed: 1 h 05 min
